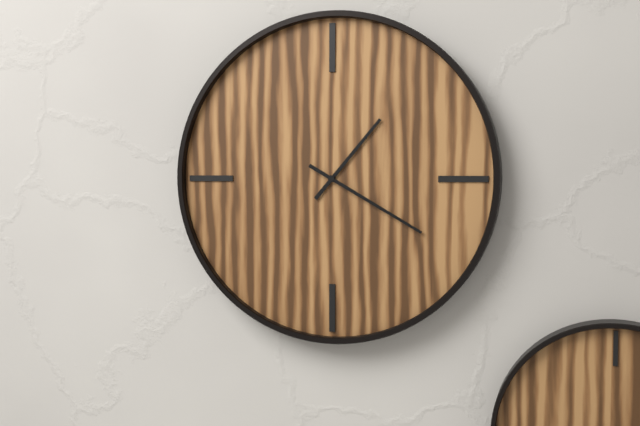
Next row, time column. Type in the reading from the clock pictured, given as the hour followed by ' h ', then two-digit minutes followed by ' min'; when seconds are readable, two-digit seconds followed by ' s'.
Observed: 1 h 20 min
